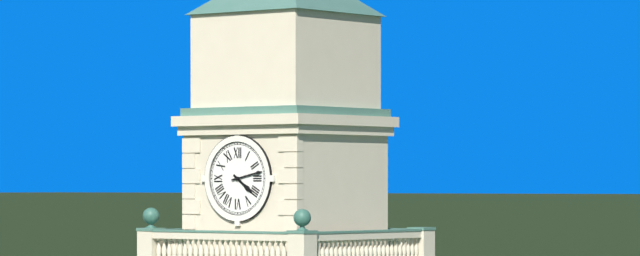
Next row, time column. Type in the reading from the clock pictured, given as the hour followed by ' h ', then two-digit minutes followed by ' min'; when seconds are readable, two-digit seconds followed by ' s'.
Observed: 4 h 13 min
